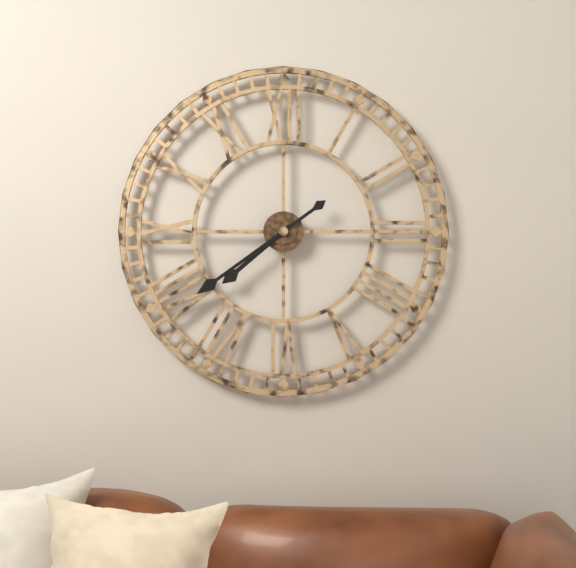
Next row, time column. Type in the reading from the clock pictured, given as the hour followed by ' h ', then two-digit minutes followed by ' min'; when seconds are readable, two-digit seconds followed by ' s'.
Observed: 7 h 39 min
